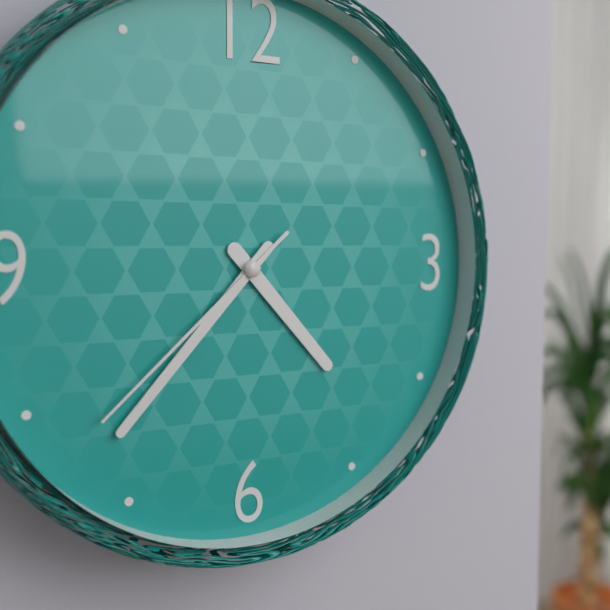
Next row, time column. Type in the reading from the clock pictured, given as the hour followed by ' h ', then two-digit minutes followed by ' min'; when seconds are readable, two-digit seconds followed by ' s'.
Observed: 4 h 37 min 38 s
